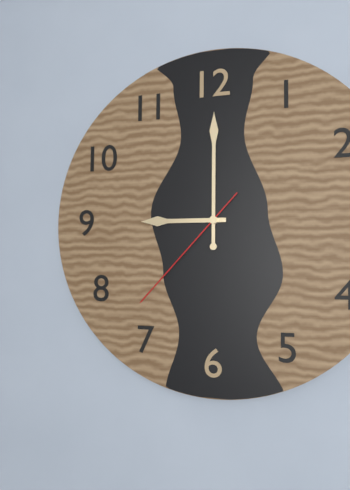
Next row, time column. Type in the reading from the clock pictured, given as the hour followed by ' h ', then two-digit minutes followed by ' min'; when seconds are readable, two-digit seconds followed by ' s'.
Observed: 9 h 00 min 37 s
